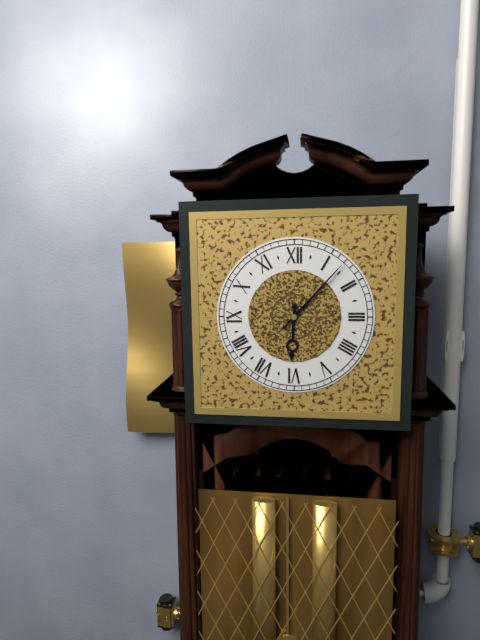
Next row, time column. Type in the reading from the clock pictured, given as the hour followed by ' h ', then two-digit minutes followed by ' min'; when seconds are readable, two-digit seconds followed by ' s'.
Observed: 6 h 07 min
